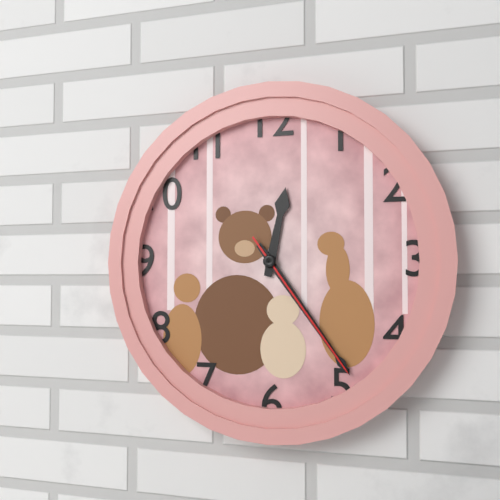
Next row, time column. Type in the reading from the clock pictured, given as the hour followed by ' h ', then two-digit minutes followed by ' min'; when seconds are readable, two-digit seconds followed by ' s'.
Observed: 12 h 24 min 24 s
